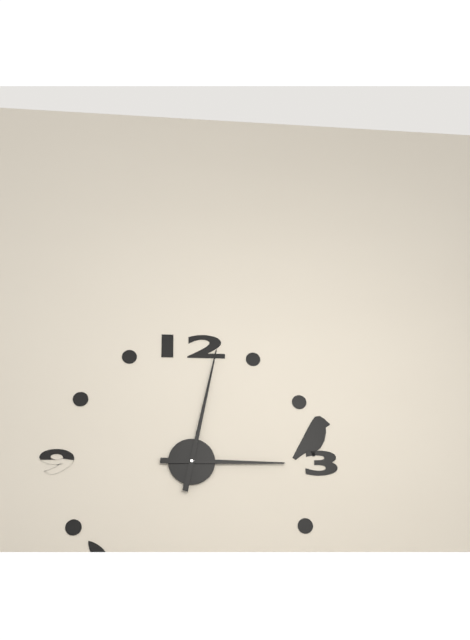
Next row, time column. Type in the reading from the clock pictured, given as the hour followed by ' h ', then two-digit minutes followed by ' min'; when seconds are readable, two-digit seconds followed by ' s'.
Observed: 3 h 02 min
